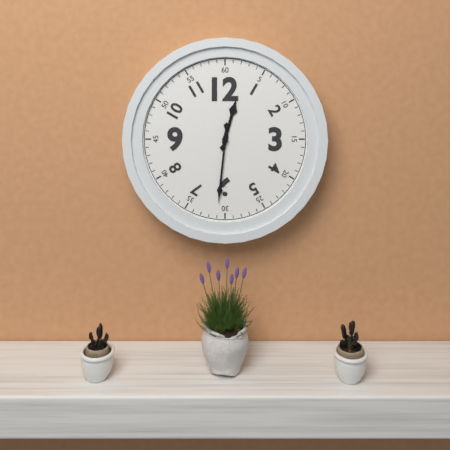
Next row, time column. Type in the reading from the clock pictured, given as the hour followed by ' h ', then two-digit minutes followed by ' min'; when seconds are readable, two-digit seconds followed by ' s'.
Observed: 12 h 31 min
